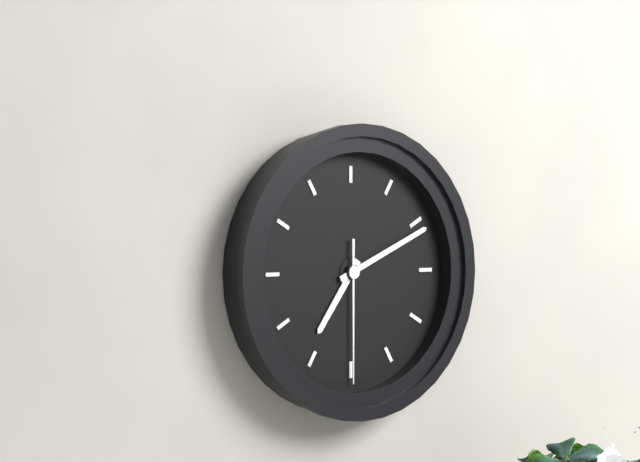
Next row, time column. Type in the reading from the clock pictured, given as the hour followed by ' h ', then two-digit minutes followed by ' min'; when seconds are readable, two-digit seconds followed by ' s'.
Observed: 7 h 11 min 30 s
